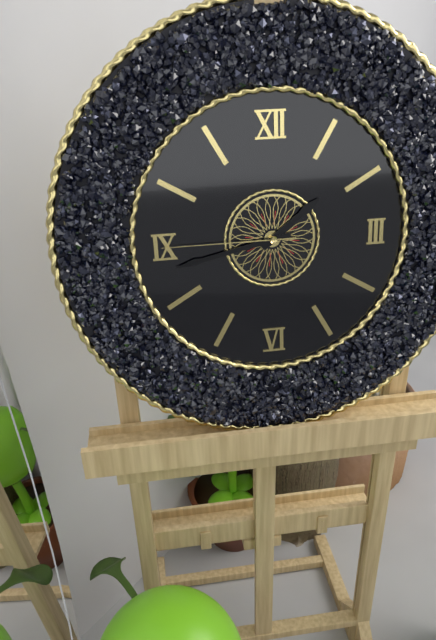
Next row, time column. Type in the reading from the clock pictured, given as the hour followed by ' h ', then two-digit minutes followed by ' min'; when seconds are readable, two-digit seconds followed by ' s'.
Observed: 1 h 43 min 45 s
